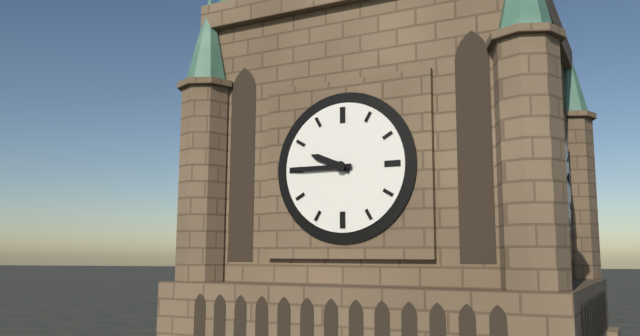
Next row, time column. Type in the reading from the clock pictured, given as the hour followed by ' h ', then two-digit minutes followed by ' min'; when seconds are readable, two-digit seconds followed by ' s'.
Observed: 9 h 45 min
